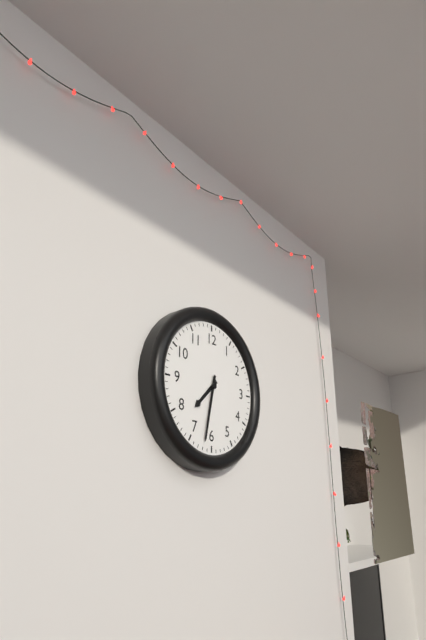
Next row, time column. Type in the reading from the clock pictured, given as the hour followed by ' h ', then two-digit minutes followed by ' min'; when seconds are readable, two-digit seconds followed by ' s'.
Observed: 7 h 32 min
